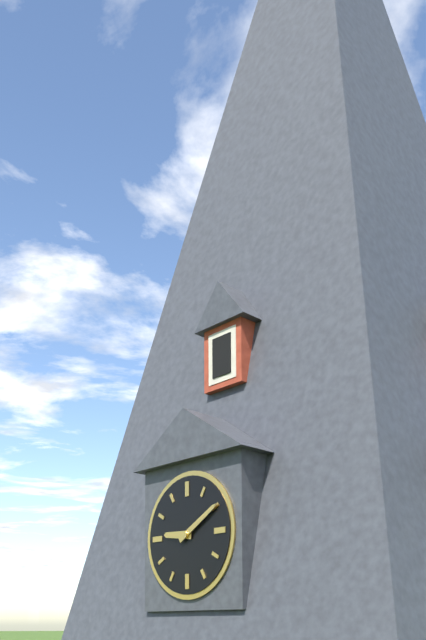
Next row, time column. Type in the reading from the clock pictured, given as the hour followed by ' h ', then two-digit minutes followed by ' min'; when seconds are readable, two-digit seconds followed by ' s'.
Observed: 9 h 10 min
